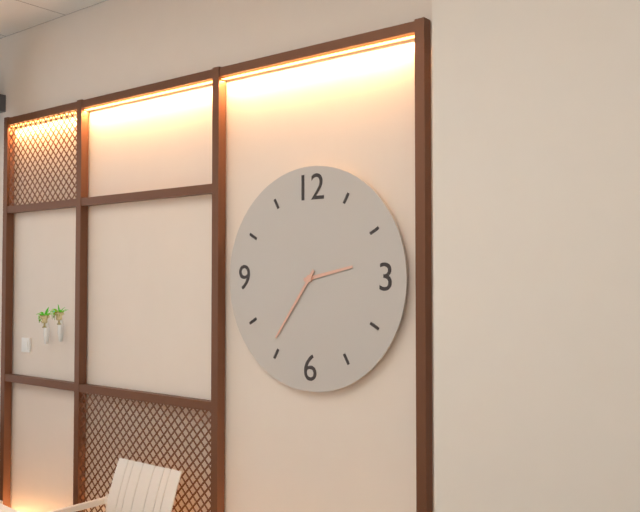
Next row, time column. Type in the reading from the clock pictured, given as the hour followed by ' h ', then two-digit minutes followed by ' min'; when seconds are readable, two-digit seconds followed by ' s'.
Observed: 2 h 36 min
